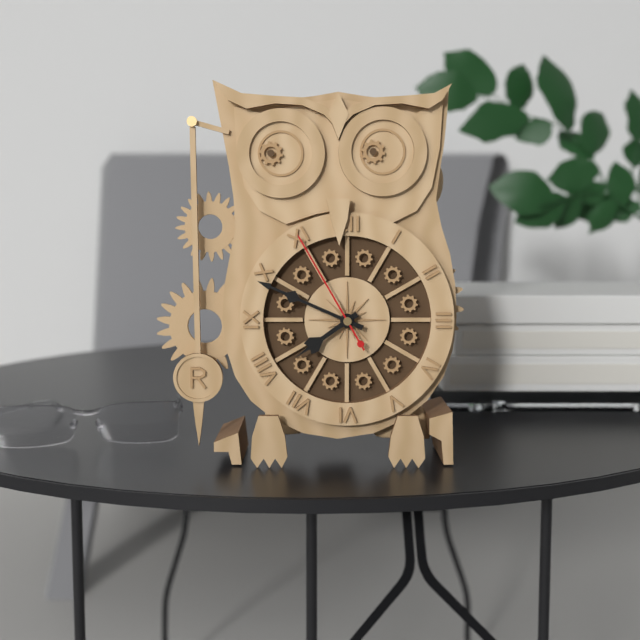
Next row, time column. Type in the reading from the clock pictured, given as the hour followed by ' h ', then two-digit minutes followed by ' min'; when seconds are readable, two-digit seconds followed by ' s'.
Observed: 7 h 49 min 55 s
